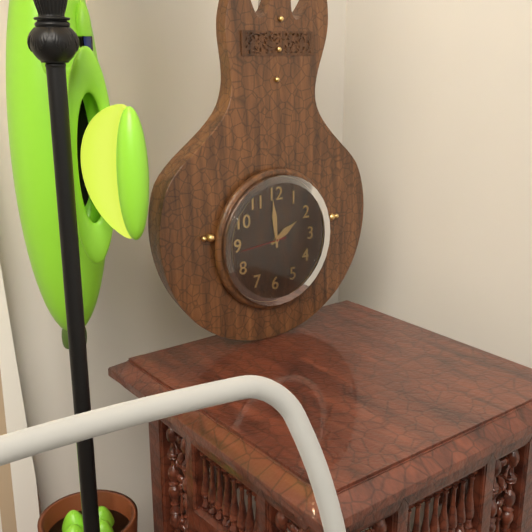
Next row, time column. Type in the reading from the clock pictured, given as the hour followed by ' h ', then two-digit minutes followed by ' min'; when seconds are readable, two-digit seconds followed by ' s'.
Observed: 1 h 59 min
